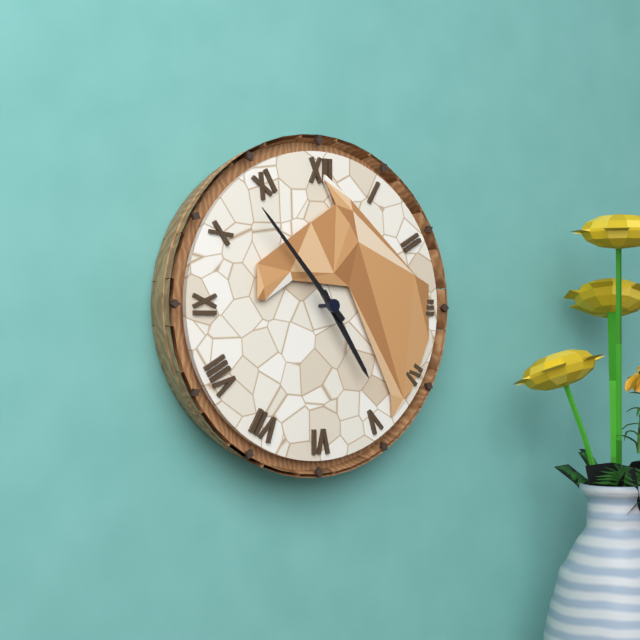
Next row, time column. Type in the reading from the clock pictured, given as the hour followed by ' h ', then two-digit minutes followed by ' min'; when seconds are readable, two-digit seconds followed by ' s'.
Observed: 4 h 53 min
